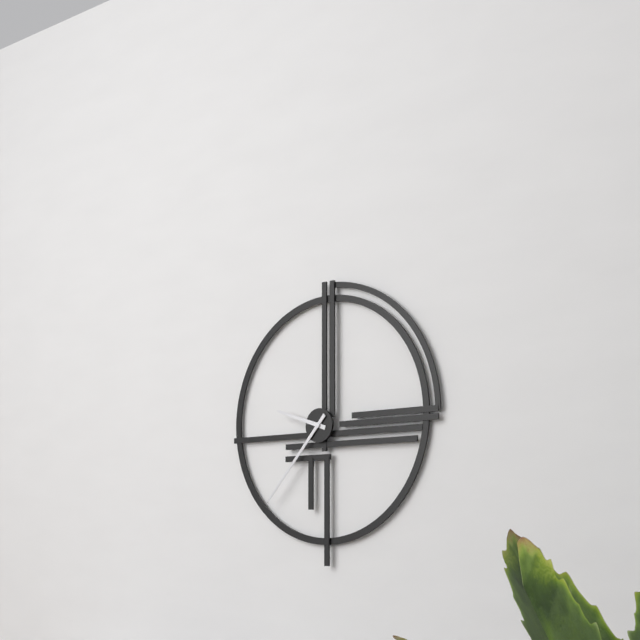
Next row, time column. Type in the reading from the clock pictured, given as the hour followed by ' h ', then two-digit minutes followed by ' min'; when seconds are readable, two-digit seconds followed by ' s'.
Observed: 9 h 37 min
